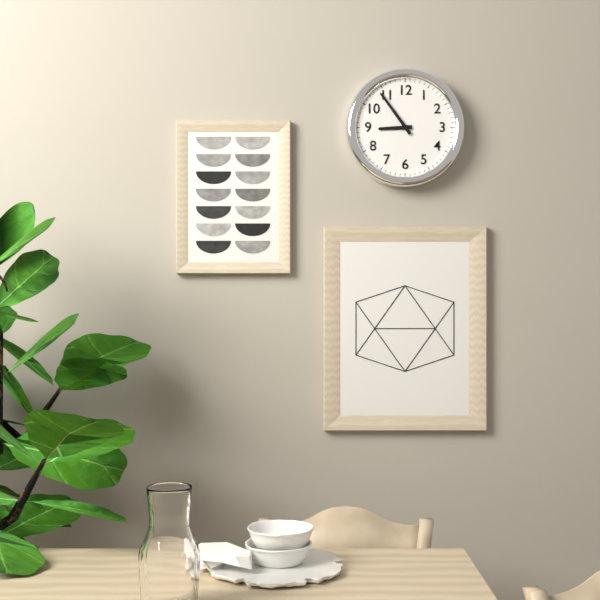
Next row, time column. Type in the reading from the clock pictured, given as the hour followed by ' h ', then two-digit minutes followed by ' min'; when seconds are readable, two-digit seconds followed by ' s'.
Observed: 8 h 54 min
